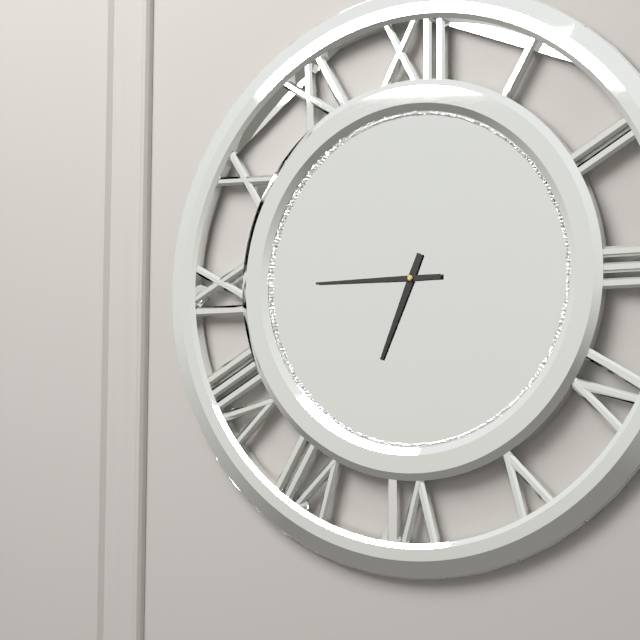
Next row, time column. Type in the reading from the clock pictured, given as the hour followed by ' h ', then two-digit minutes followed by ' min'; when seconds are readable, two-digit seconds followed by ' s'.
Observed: 6 h 45 min
